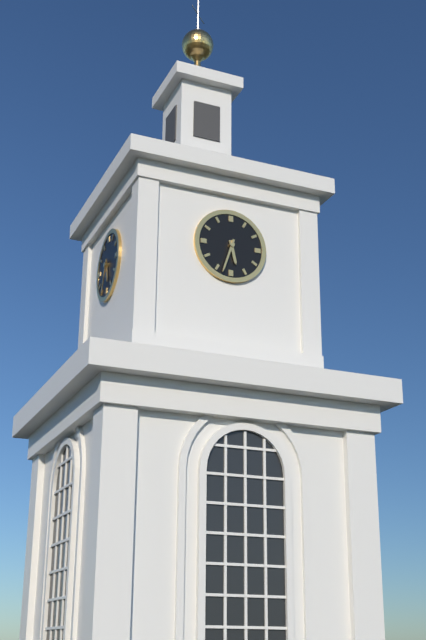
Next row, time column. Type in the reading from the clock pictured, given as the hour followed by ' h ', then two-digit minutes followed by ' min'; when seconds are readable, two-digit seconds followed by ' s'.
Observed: 5 h 33 min
